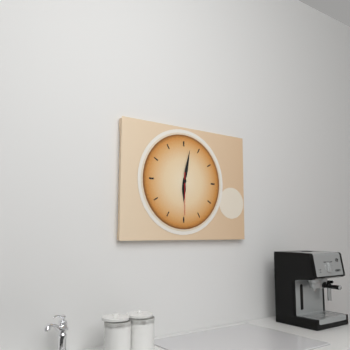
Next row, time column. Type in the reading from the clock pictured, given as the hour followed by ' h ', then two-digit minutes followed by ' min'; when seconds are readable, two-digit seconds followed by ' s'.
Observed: 6 h 02 min
